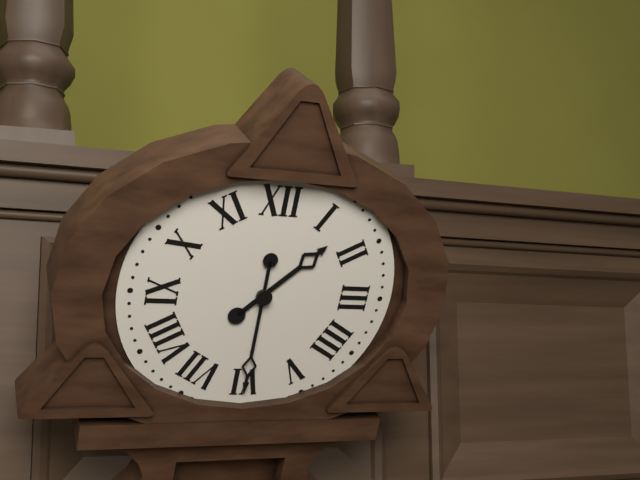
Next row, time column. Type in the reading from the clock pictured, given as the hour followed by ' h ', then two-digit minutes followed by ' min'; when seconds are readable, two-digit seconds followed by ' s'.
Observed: 1 h 30 min
